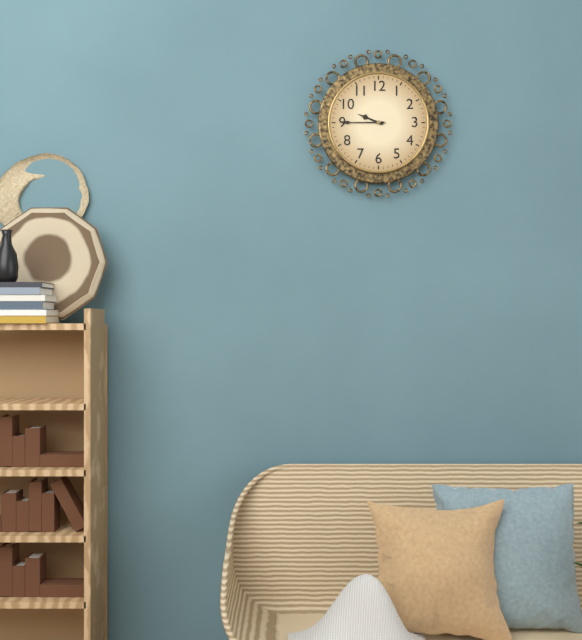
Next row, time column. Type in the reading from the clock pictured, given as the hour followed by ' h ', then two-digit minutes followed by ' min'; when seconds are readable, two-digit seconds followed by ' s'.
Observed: 9 h 45 min
